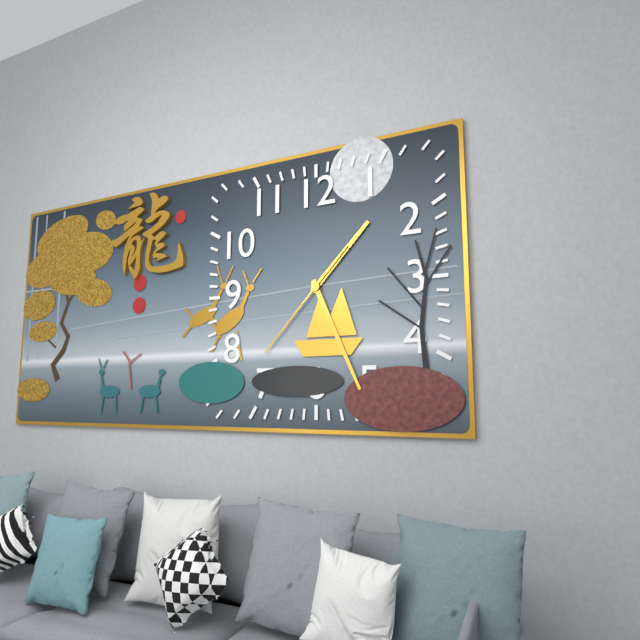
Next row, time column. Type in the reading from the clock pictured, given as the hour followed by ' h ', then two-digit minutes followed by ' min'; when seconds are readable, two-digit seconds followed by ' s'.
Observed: 1 h 26 min 37 s
